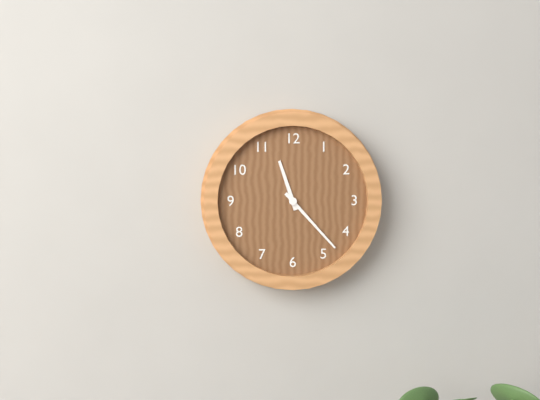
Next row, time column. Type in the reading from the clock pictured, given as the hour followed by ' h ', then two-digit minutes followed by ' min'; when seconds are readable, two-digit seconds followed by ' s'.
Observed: 11 h 23 min
